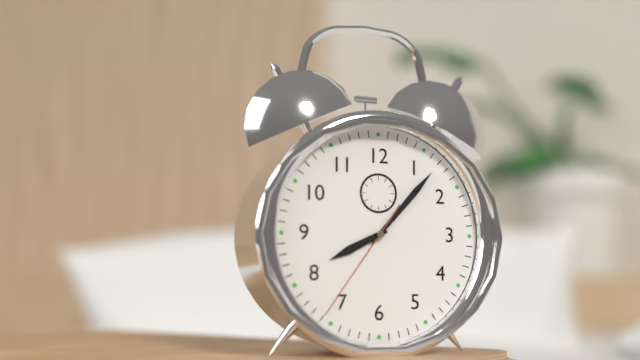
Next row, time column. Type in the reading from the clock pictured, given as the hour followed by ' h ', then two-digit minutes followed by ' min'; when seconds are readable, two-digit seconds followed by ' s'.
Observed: 8 h 07 min 36 s
